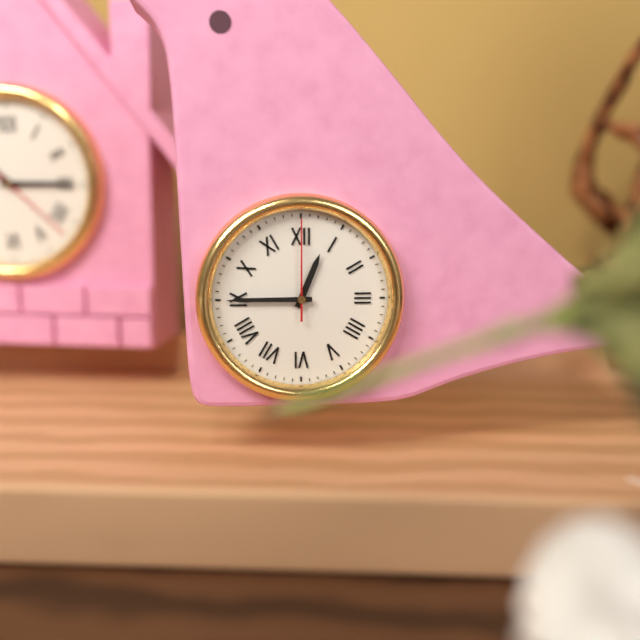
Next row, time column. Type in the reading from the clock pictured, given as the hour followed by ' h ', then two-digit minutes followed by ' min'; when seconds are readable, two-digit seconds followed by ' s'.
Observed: 12 h 45 min 00 s
